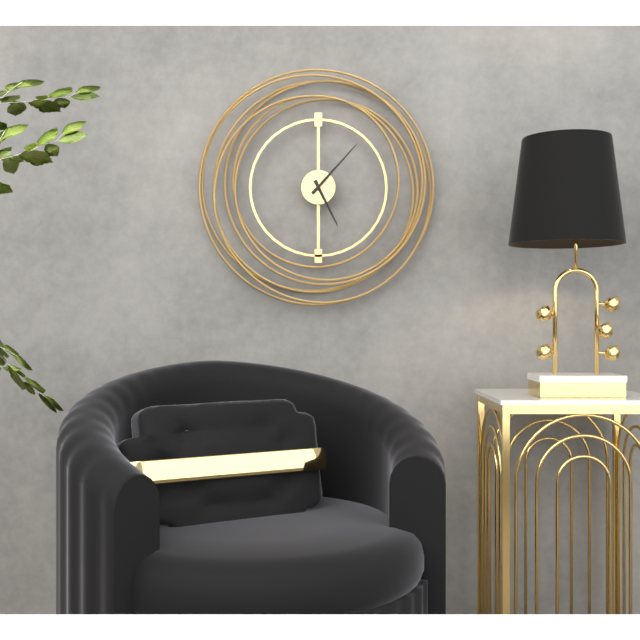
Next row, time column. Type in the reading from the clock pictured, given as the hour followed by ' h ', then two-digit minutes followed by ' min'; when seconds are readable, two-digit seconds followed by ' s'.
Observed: 5 h 07 min
